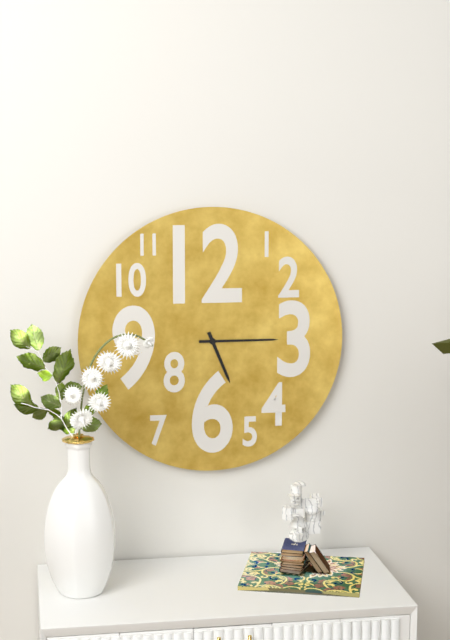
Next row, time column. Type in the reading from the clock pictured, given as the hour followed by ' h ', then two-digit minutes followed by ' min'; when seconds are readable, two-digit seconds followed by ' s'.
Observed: 5 h 15 min
